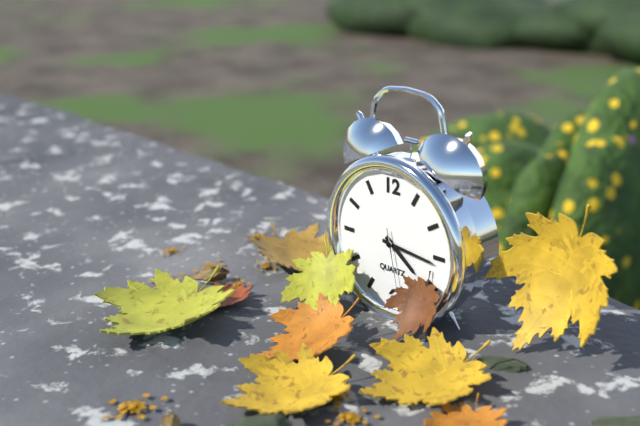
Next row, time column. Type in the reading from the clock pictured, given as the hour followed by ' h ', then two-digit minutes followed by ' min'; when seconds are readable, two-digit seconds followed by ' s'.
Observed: 4 h 16 min 28 s
